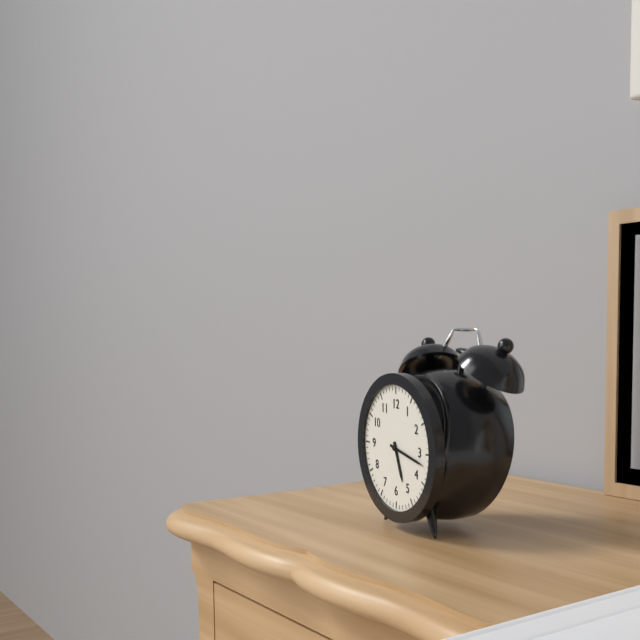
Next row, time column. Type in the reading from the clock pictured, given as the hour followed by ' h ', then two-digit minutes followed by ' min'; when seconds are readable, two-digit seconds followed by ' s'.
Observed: 5 h 17 min
